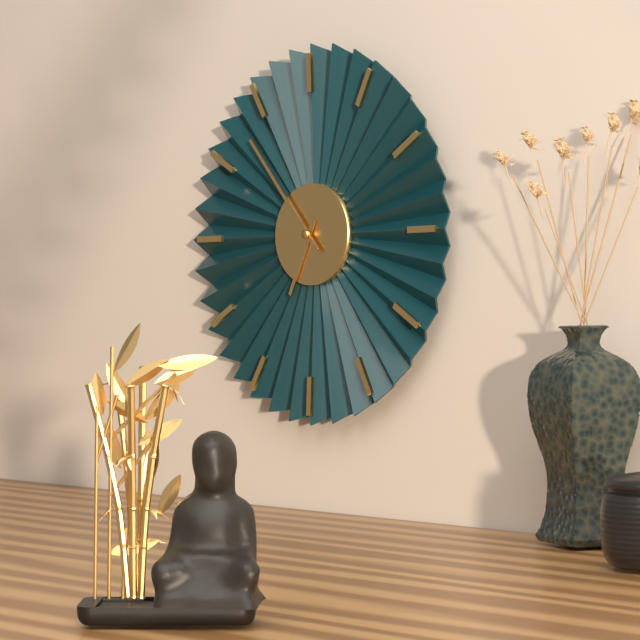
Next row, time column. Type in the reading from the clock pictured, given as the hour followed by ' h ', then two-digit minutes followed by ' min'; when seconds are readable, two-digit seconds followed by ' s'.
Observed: 6 h 53 min
